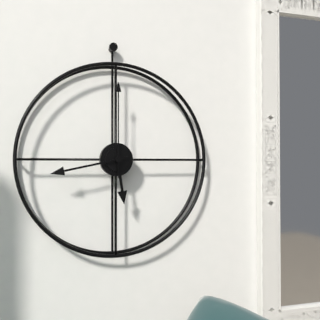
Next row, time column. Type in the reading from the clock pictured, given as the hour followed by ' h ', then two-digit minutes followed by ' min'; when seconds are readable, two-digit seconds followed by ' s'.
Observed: 5 h 43 min 00 s
